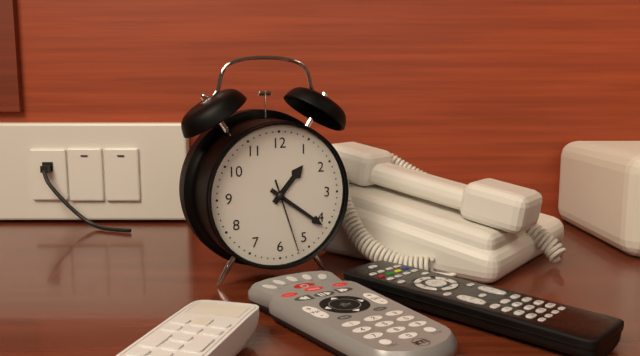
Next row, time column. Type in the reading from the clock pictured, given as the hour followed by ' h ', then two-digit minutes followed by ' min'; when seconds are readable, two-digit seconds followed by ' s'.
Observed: 1 h 21 min 27 s
